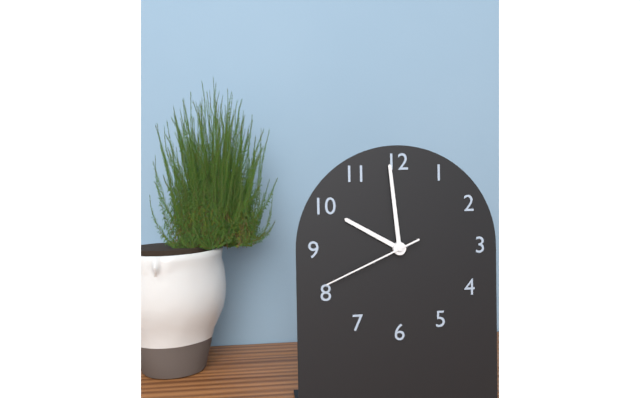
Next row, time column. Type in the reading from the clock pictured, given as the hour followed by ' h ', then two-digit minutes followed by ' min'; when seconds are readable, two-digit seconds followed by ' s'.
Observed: 9 h 59 min 41 s
